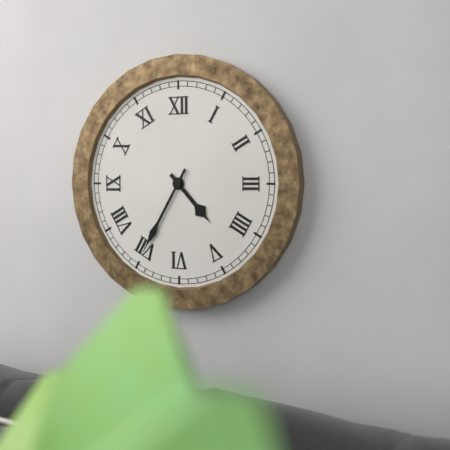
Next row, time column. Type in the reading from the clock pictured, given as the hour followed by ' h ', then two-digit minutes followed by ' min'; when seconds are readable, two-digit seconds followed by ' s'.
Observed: 4 h 35 min
